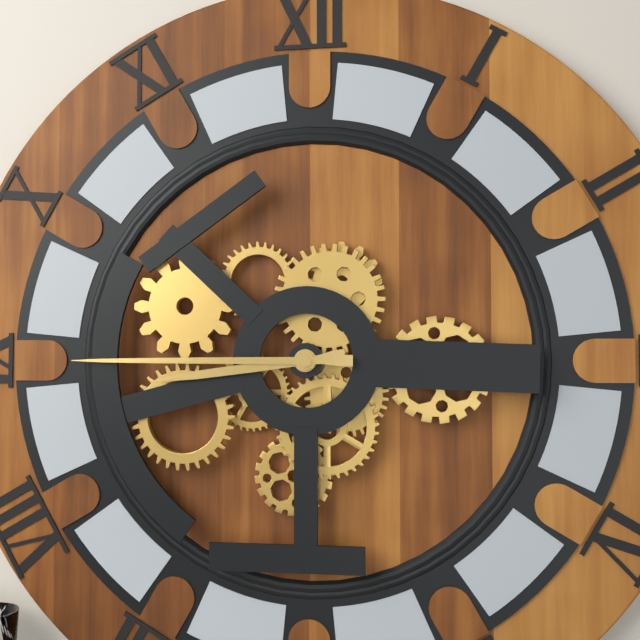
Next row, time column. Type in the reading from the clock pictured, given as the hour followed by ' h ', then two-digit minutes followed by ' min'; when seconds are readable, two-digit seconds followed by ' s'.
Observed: 8 h 45 min
